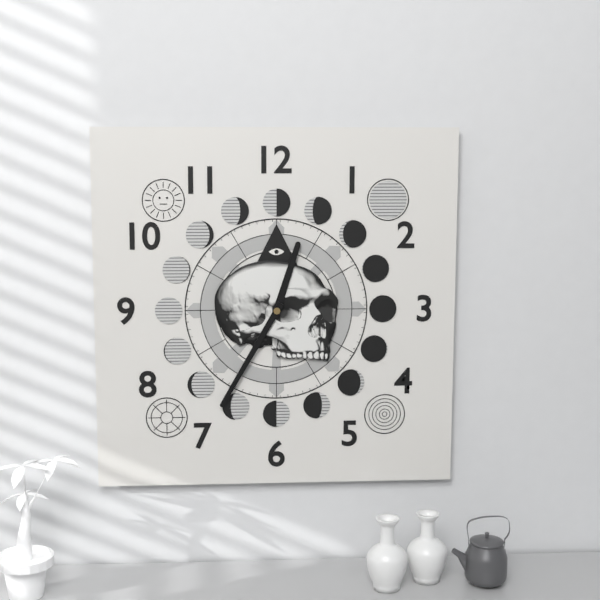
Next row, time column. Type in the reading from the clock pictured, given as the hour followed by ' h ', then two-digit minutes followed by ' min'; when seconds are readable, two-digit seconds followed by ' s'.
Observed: 12 h 35 min
